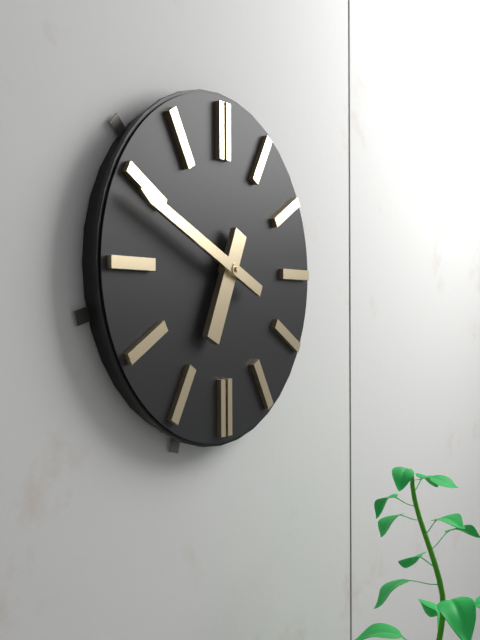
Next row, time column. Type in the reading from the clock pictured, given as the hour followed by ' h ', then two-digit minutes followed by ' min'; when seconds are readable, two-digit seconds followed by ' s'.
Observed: 6 h 49 min
